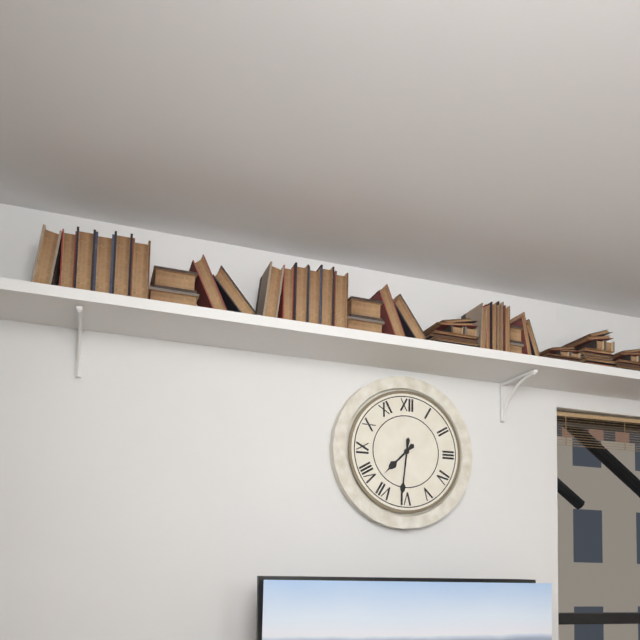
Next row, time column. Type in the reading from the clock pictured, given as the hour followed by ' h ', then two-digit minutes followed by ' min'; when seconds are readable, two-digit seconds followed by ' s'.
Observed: 7 h 31 min
